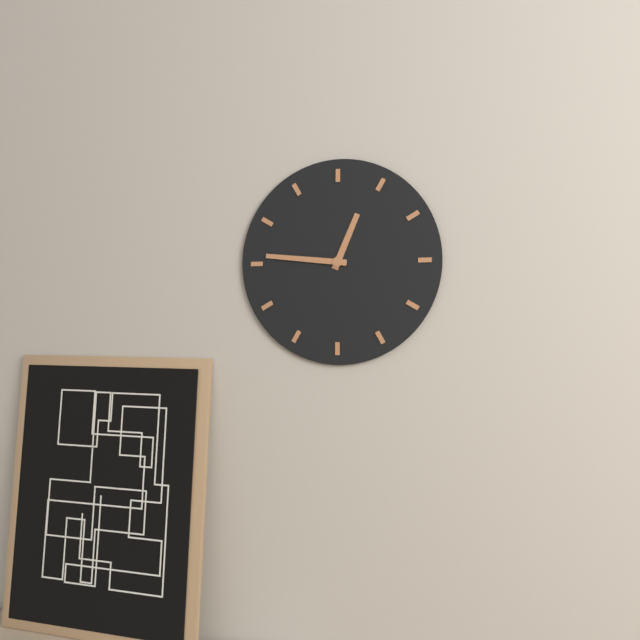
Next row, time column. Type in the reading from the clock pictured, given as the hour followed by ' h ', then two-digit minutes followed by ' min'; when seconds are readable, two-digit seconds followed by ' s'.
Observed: 12 h 46 min
